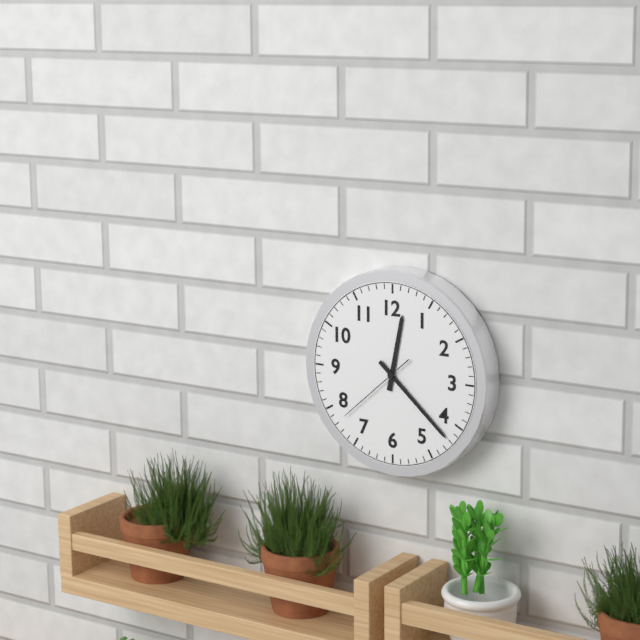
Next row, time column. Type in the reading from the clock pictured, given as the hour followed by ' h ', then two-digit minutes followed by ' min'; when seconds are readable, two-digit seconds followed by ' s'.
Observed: 12 h 22 min 38 s
